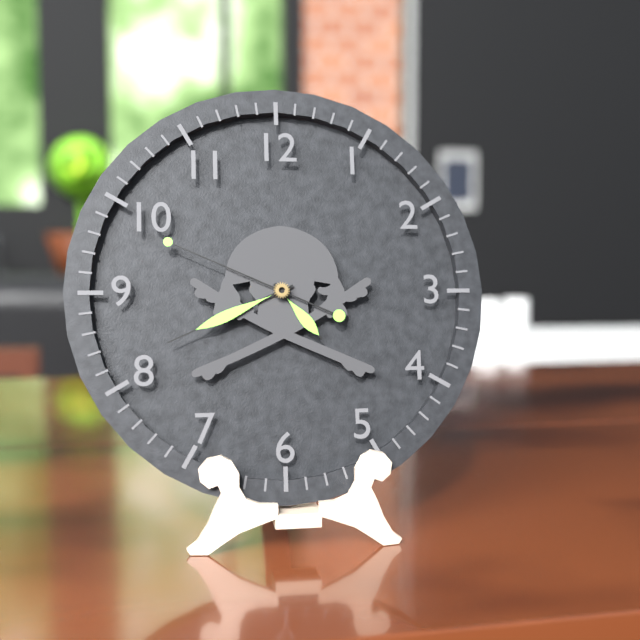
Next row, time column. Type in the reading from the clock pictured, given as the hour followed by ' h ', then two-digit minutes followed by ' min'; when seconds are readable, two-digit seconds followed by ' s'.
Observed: 4 h 41 min 49 s
